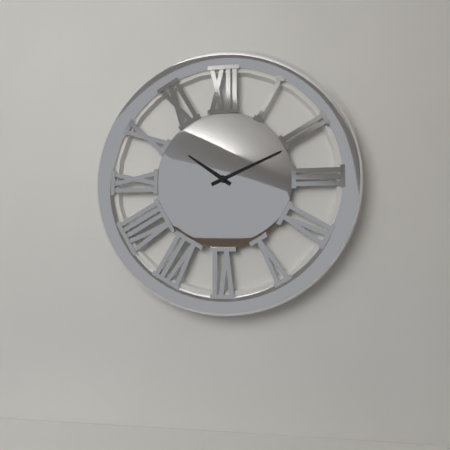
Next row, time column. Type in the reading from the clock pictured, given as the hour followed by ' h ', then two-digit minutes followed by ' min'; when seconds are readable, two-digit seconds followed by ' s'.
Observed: 10 h 11 min
